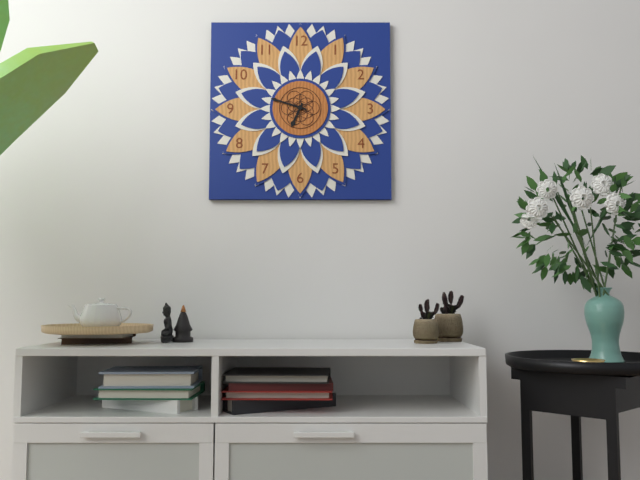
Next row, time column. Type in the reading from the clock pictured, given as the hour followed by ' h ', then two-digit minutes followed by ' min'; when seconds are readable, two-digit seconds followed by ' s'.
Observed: 6 h 48 min
